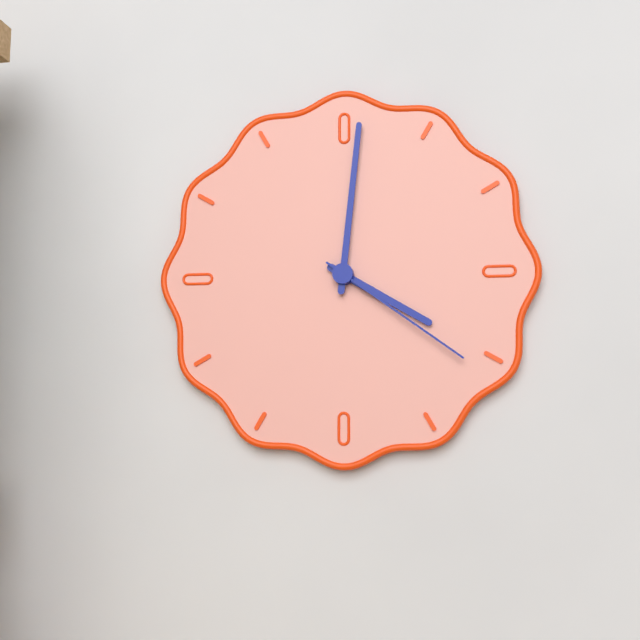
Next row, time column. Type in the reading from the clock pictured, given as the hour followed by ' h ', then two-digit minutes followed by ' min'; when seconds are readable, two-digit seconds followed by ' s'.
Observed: 4 h 01 min 21 s
